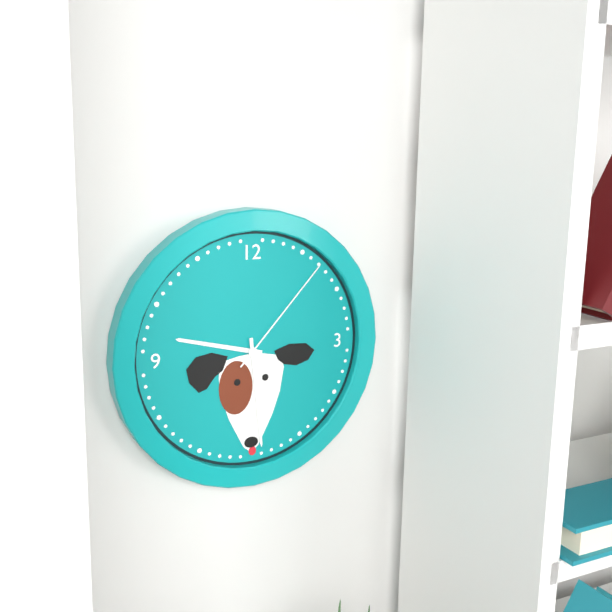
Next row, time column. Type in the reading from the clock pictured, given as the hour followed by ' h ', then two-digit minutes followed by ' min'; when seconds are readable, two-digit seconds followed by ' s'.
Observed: 9 h 29 min 07 s
